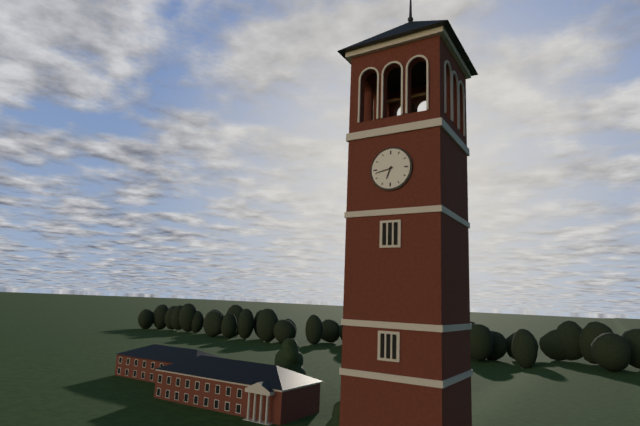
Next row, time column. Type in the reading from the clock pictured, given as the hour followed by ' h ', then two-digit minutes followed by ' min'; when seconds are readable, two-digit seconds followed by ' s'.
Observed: 6 h 43 min
